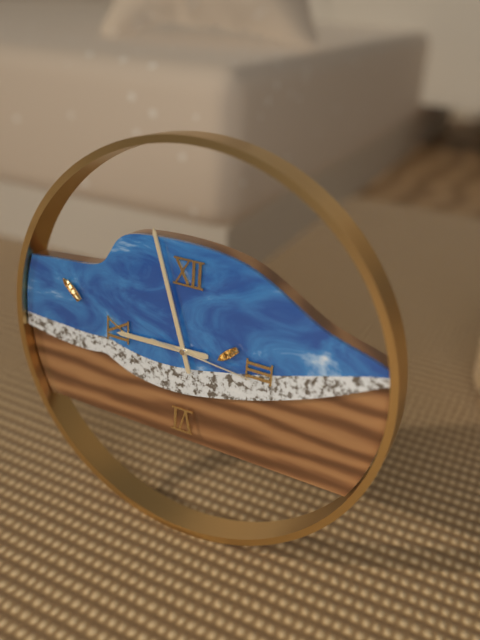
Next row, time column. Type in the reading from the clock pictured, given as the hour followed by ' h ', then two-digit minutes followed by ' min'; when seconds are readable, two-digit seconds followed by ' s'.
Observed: 8 h 57 min 16 s
